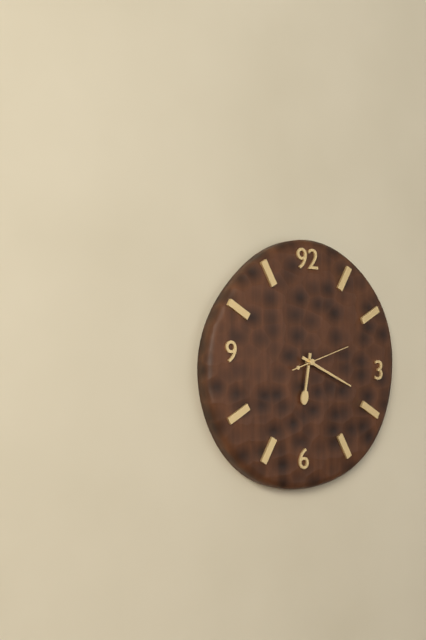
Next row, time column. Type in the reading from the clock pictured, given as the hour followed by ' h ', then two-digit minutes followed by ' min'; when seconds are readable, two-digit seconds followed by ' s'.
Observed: 6 h 19 min 12 s
